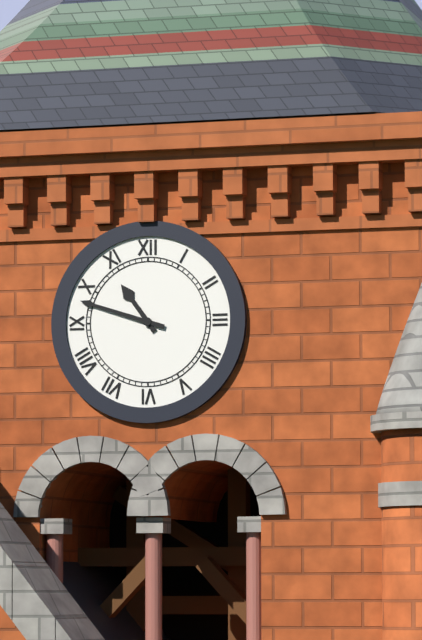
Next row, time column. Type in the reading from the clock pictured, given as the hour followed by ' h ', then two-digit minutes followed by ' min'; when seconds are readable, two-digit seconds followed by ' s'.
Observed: 10 h 48 min
